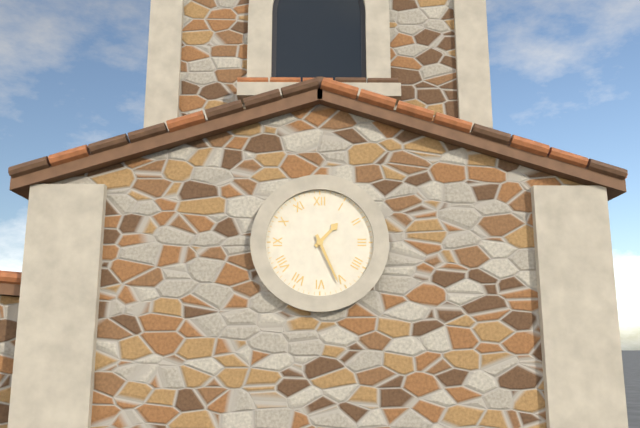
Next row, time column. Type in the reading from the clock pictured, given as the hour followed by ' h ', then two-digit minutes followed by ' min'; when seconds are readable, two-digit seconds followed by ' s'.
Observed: 1 h 26 min
